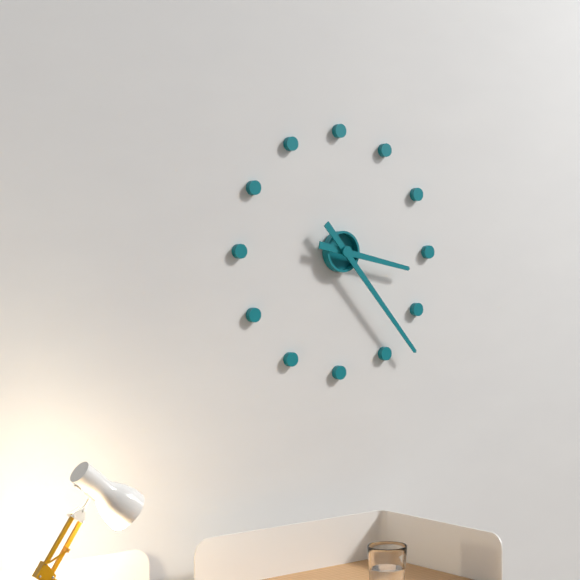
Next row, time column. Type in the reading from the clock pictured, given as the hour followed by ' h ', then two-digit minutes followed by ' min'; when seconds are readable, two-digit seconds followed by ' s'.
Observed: 3 h 23 min
